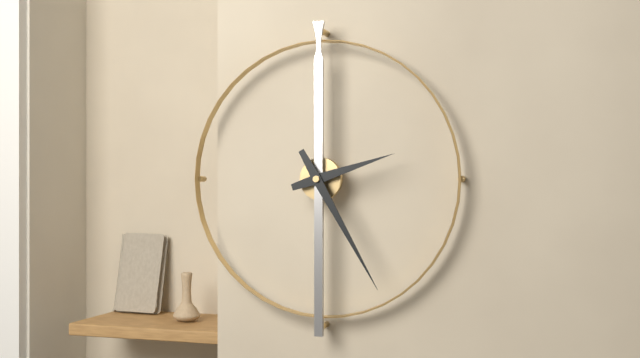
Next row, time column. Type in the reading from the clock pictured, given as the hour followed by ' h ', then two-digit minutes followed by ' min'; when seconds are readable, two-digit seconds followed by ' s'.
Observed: 2 h 25 min
